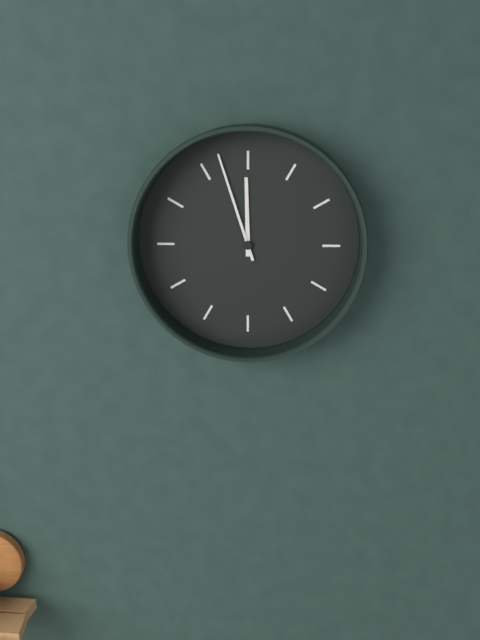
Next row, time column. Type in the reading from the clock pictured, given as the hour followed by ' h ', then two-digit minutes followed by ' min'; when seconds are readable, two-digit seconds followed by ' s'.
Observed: 11 h 57 min
